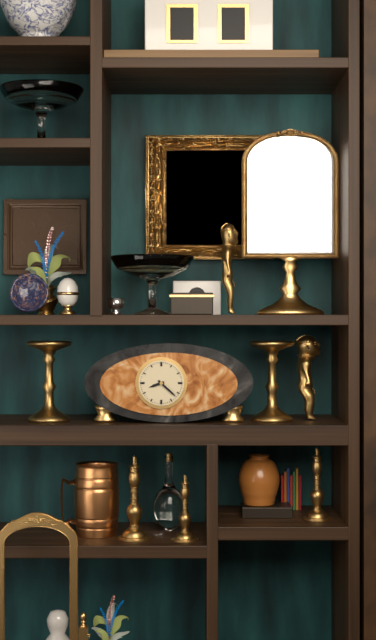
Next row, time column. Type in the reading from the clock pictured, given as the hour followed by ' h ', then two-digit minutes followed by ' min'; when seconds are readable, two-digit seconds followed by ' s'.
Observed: 8 h 22 min
